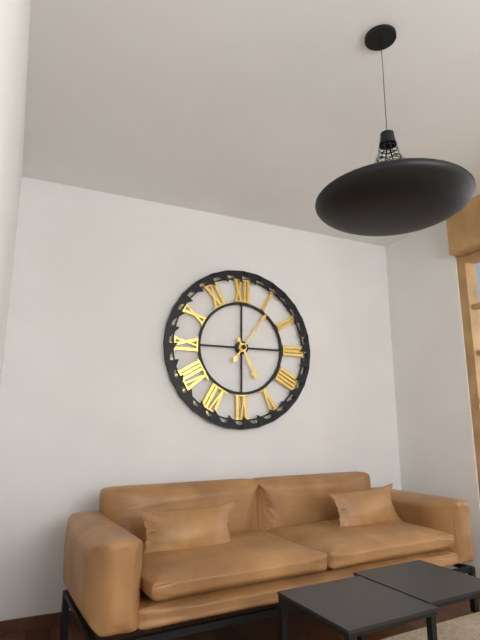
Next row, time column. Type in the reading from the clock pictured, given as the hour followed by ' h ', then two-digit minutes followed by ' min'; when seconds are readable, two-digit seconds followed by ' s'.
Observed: 5 h 06 min
